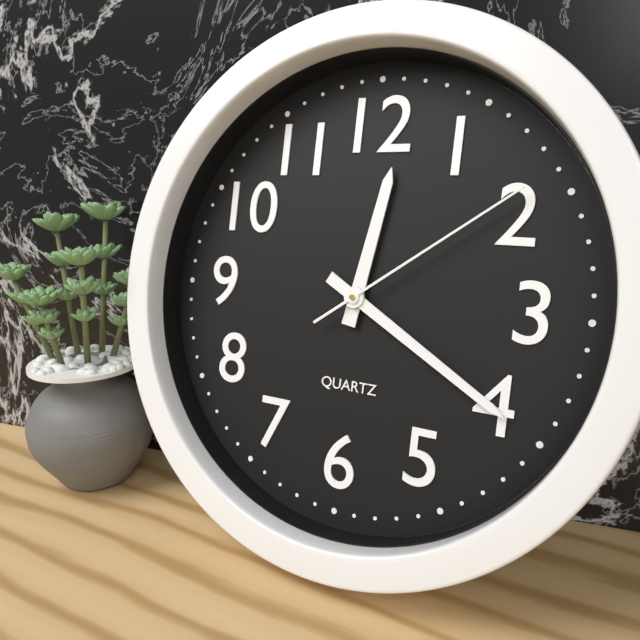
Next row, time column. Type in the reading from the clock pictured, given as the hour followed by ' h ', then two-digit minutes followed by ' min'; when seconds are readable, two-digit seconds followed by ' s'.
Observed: 12 h 20 min 09 s
